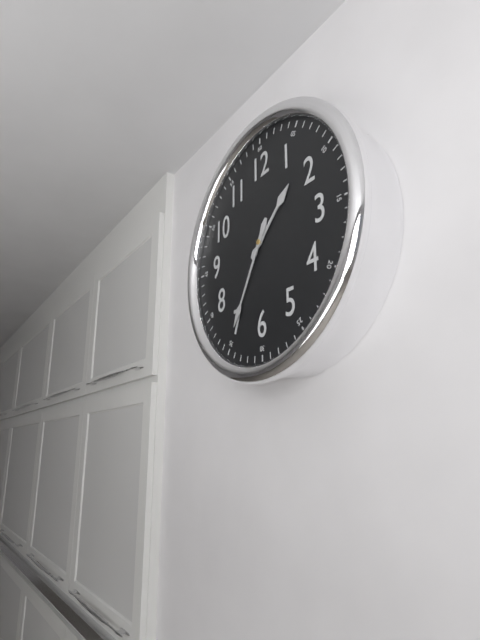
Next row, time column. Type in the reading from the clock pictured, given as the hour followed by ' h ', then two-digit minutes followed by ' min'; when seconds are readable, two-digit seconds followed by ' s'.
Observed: 1 h 35 min
